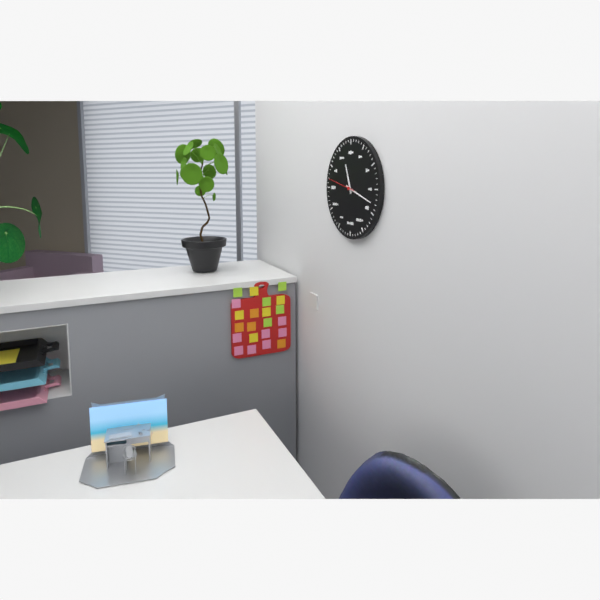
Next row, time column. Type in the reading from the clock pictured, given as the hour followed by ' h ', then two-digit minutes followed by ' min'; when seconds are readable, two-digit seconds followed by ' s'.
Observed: 11 h 18 min
